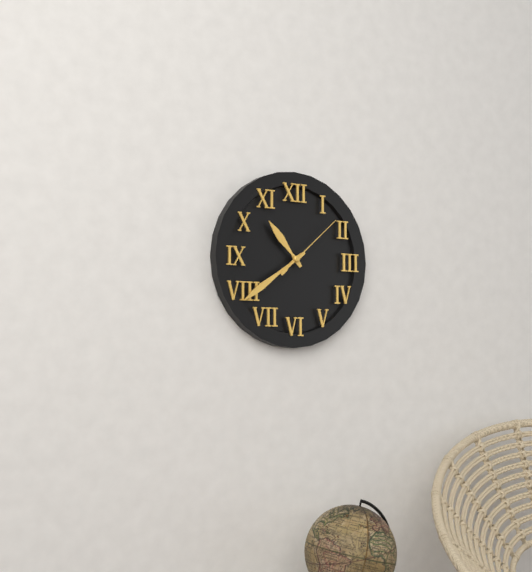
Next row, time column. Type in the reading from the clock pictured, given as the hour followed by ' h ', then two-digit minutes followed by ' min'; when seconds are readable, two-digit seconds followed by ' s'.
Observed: 10 h 39 min 08 s
